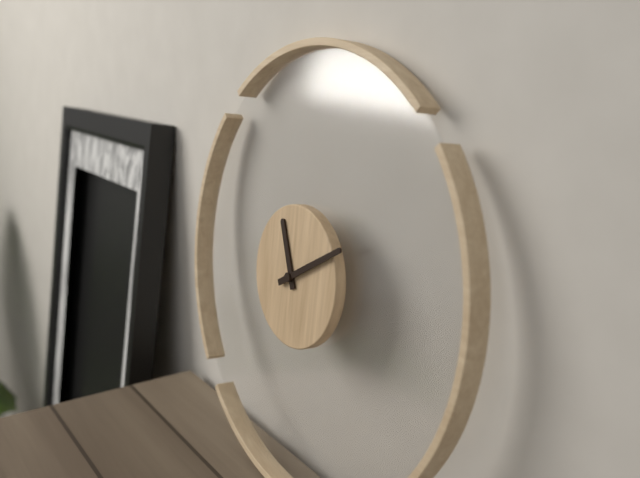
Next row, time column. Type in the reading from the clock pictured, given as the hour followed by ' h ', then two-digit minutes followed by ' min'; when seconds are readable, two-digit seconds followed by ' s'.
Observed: 11 h 10 min
